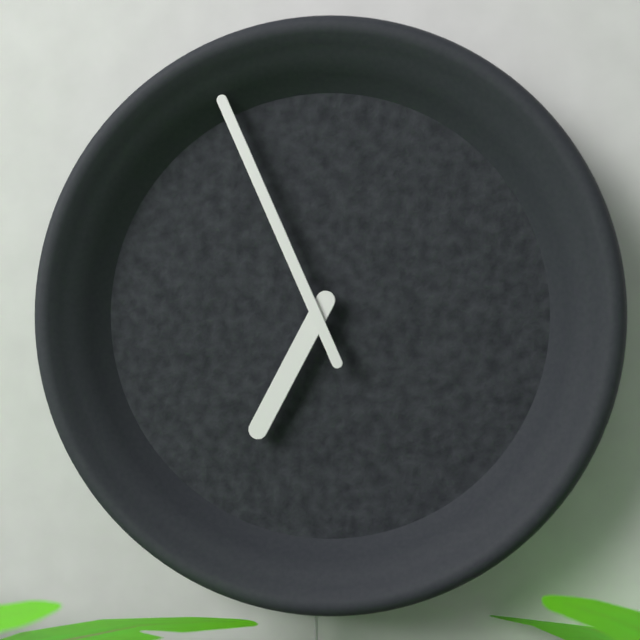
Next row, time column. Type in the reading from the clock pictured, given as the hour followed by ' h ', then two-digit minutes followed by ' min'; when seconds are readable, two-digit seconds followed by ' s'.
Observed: 6 h 56 min
